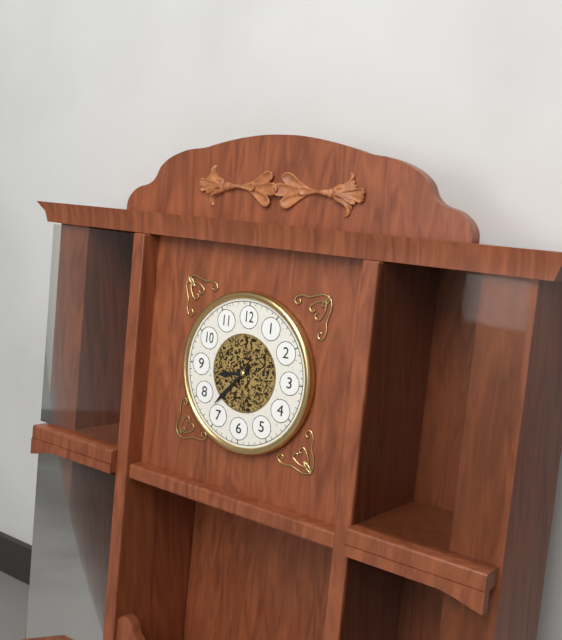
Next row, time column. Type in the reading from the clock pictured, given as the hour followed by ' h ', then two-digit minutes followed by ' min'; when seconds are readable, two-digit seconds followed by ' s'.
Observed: 8 h 37 min
